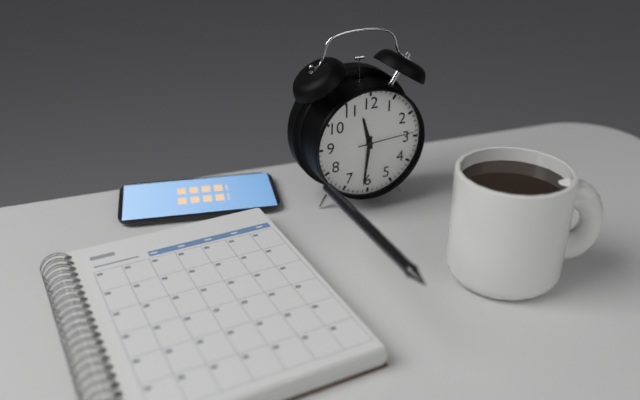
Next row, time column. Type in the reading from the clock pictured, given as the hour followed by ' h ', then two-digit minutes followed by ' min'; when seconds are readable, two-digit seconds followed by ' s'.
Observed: 11 h 31 min 14 s
